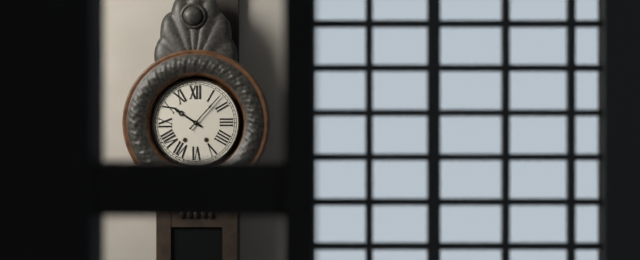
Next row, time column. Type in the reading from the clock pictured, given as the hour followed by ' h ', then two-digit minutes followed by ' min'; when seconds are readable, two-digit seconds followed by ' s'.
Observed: 10 h 07 min
